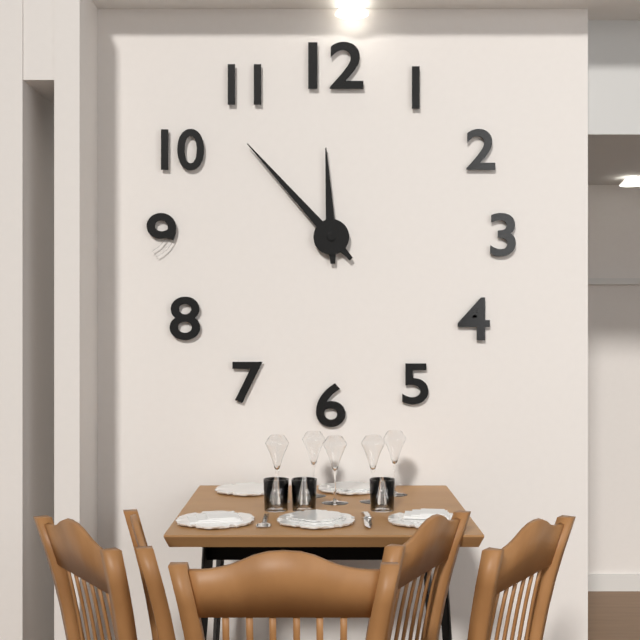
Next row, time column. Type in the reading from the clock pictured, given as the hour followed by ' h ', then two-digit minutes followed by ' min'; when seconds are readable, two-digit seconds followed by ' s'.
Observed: 11 h 53 min
